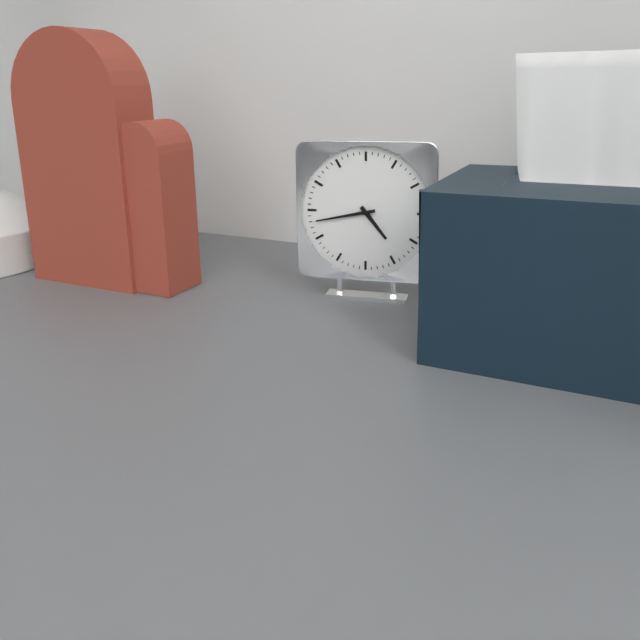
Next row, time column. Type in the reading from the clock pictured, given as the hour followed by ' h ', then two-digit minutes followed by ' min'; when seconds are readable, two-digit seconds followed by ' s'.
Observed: 4 h 43 min
